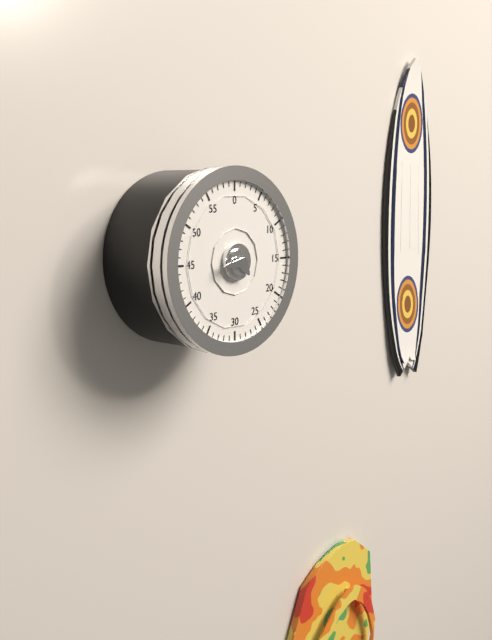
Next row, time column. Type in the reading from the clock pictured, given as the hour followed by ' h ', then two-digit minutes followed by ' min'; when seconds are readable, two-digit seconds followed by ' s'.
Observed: 4 h 44 min
